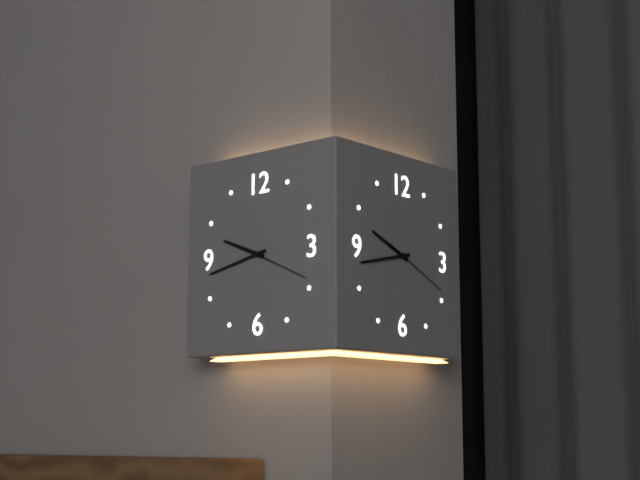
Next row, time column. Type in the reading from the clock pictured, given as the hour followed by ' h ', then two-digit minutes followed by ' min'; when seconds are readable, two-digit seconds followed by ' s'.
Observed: 9 h 43 min 19 s
